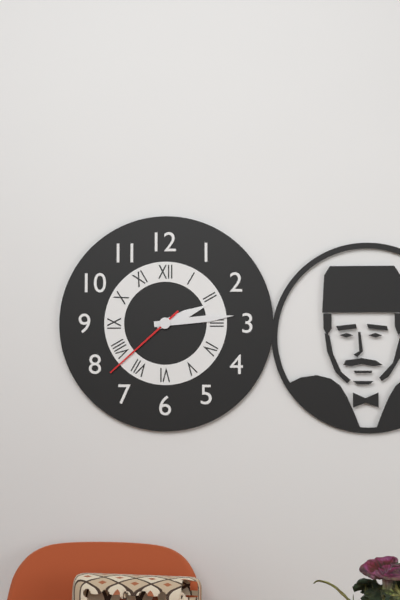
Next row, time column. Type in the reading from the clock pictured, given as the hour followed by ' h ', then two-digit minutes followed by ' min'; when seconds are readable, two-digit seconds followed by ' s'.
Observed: 2 h 14 min 38 s
